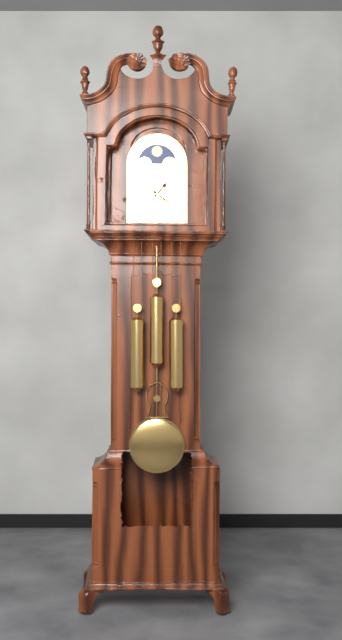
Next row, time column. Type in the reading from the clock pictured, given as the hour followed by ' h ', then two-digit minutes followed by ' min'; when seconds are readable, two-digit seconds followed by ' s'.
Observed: 1 h 21 min
